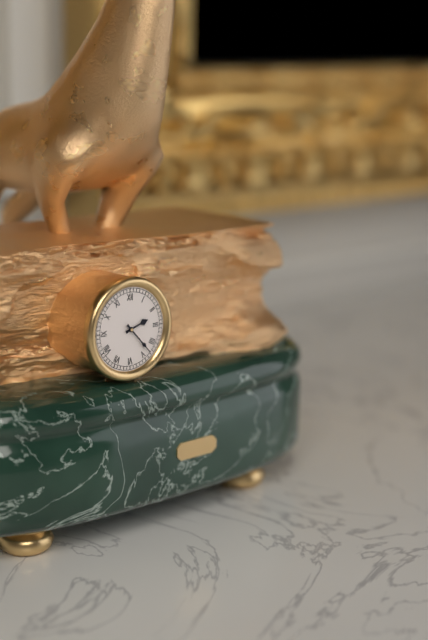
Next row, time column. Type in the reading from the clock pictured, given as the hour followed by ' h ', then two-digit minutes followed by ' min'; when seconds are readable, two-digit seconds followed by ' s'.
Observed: 2 h 23 min
